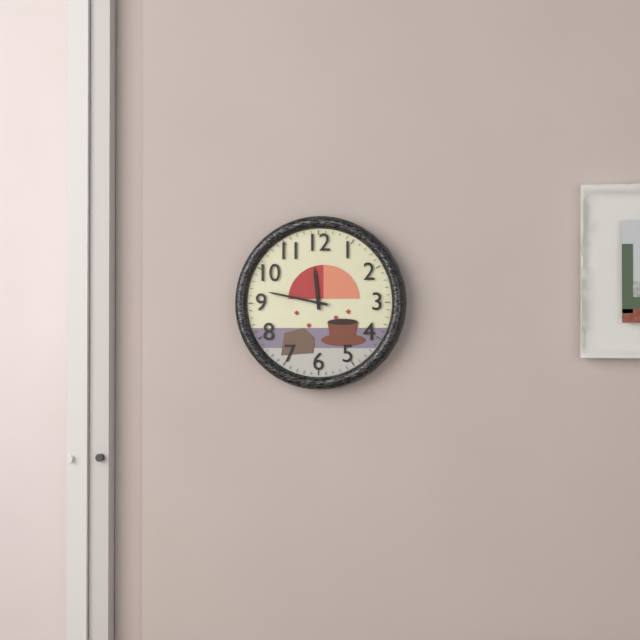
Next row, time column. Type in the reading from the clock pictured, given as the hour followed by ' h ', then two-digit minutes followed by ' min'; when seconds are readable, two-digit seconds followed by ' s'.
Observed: 11 h 47 min
